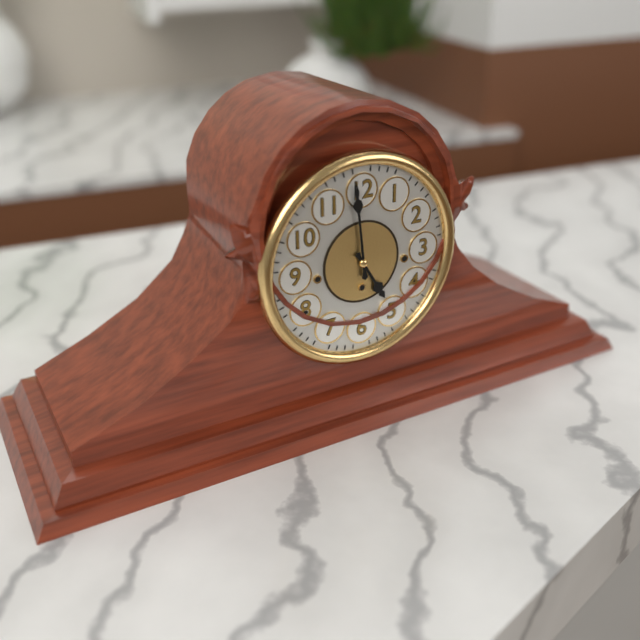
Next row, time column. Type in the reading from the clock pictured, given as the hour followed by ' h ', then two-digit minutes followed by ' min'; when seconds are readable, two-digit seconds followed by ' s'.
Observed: 4 h 59 min
